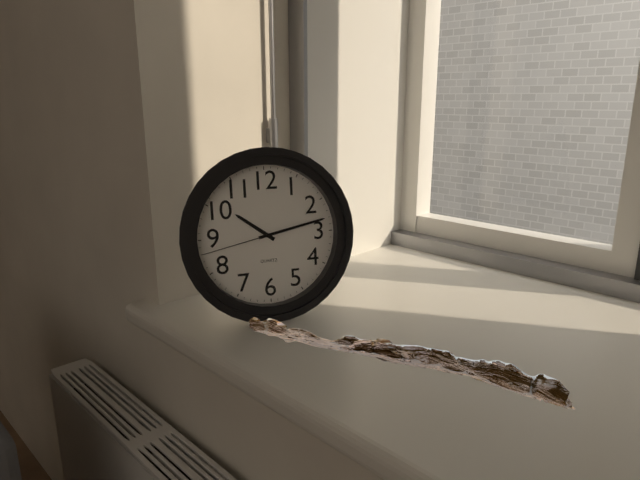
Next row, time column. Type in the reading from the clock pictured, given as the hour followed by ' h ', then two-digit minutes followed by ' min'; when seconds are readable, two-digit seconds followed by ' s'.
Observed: 10 h 13 min 43 s
